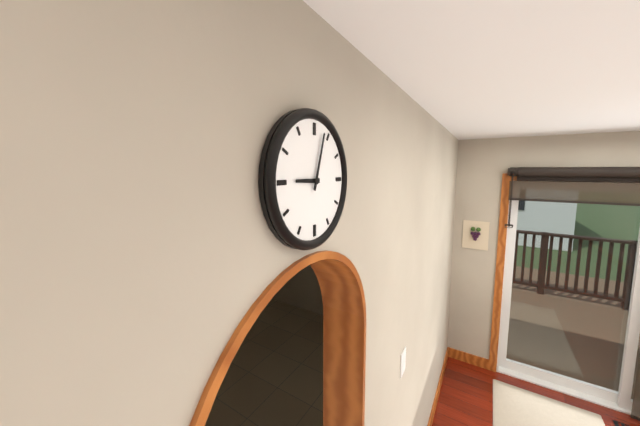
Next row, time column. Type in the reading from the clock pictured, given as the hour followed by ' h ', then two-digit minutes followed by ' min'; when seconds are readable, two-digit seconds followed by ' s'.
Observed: 9 h 03 min
